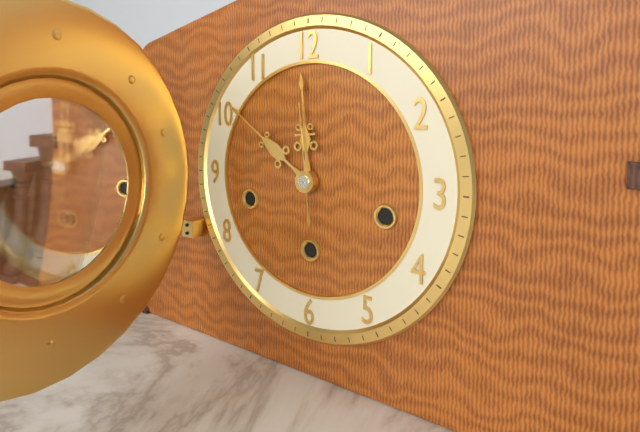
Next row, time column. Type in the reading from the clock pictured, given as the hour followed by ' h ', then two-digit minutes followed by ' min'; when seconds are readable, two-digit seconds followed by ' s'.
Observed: 11 h 51 min 59 s
